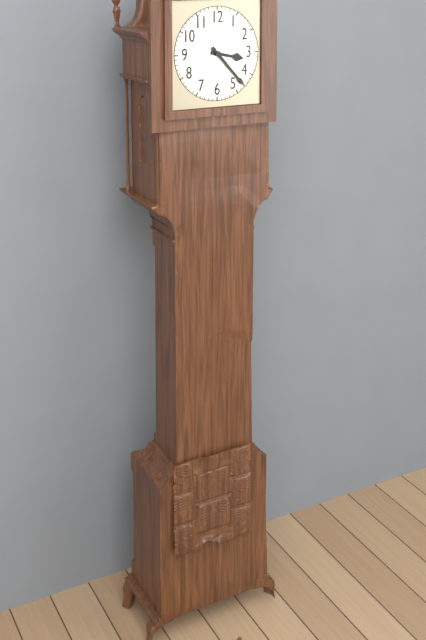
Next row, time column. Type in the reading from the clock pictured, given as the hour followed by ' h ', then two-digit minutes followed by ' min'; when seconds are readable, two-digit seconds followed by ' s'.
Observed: 3 h 23 min
